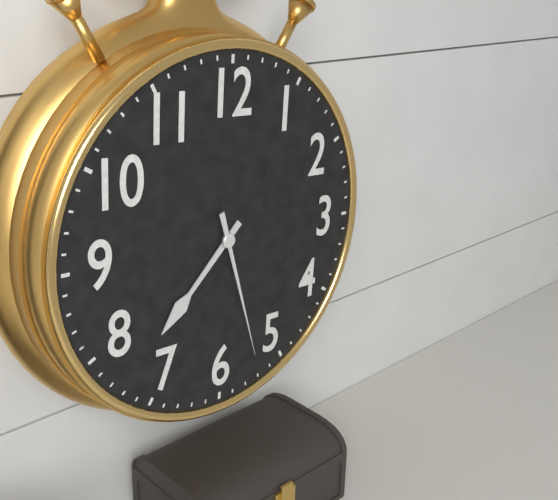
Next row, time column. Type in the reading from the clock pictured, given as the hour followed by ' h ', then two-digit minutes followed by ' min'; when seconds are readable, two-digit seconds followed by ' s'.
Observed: 7 h 27 min
